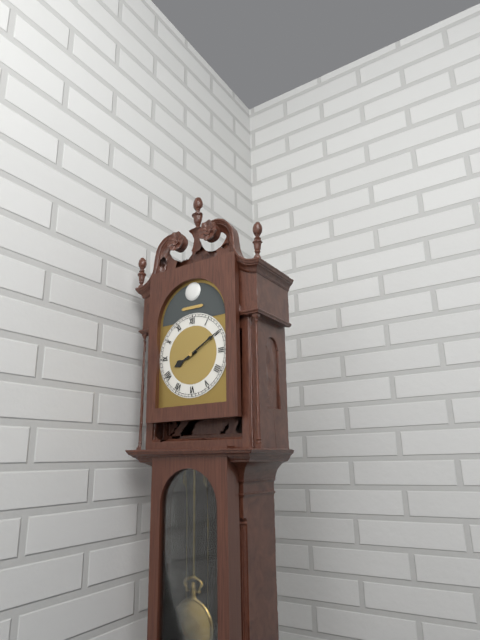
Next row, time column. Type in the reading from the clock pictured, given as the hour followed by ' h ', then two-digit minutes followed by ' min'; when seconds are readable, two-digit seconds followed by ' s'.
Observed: 8 h 10 min
